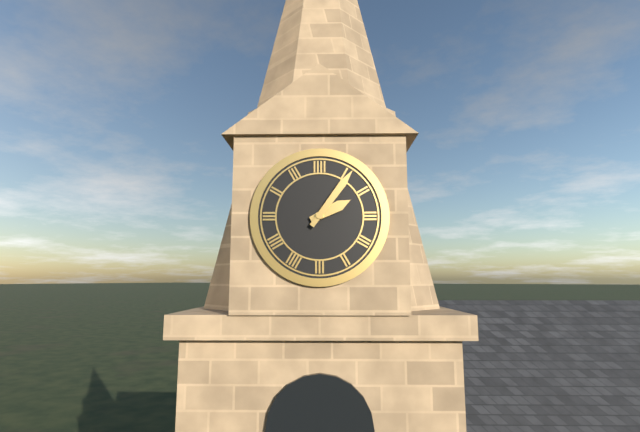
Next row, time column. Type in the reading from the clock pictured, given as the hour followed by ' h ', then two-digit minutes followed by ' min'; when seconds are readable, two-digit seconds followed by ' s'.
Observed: 2 h 06 min
